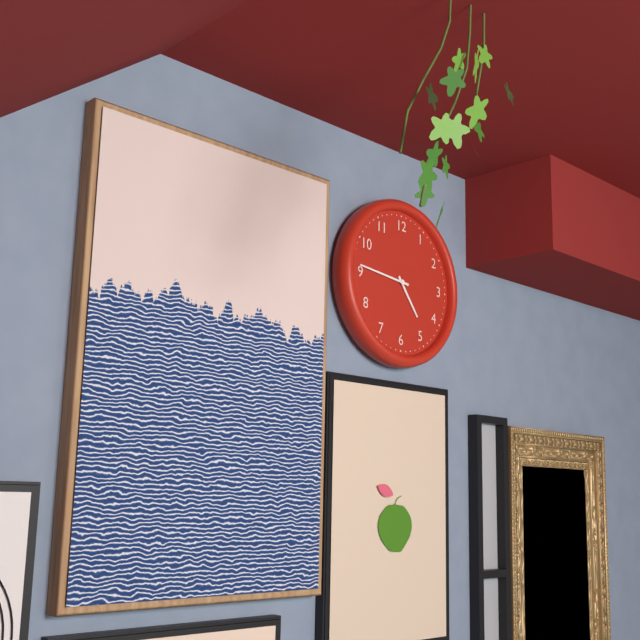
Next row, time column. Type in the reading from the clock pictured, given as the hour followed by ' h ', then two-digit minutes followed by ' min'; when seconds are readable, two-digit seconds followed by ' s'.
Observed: 4 h 46 min
